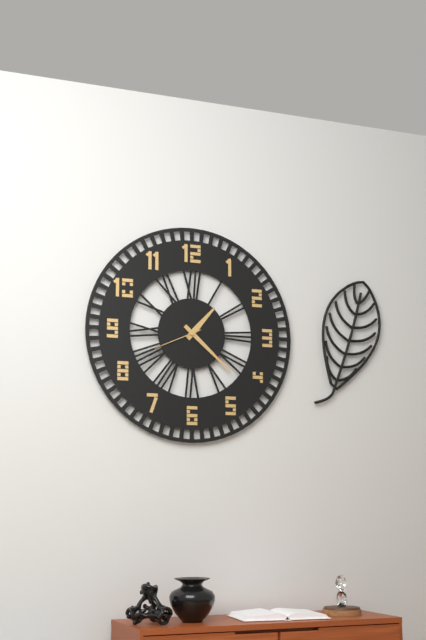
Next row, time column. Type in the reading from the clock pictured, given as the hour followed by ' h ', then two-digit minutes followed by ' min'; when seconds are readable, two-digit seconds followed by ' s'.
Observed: 1 h 22 min
